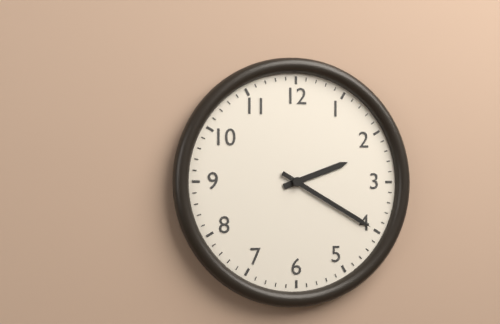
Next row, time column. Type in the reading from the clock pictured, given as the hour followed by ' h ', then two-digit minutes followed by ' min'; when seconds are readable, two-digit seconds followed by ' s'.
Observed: 2 h 20 min
